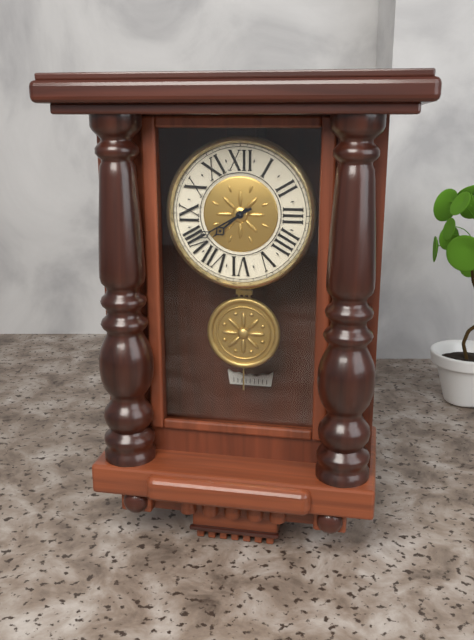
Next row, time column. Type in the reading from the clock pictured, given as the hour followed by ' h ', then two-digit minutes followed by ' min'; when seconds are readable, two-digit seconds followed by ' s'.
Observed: 7 h 40 min
